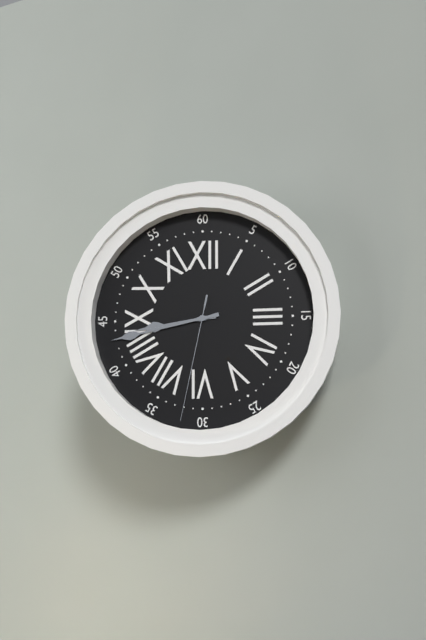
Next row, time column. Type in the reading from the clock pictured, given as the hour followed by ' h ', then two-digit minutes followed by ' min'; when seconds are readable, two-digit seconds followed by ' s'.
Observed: 8 h 43 min 32 s
